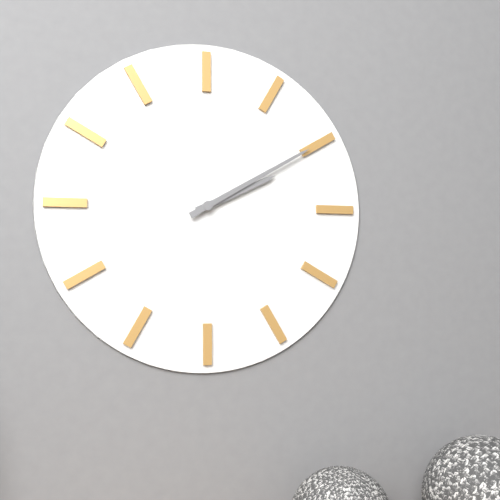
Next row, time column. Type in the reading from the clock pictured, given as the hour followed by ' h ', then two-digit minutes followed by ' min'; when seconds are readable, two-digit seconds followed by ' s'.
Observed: 2 h 10 min
